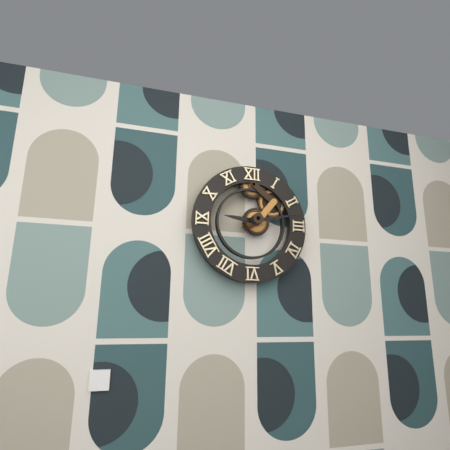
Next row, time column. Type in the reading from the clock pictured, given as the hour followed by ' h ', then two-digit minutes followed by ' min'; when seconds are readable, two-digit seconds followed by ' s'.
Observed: 9 h 13 min
